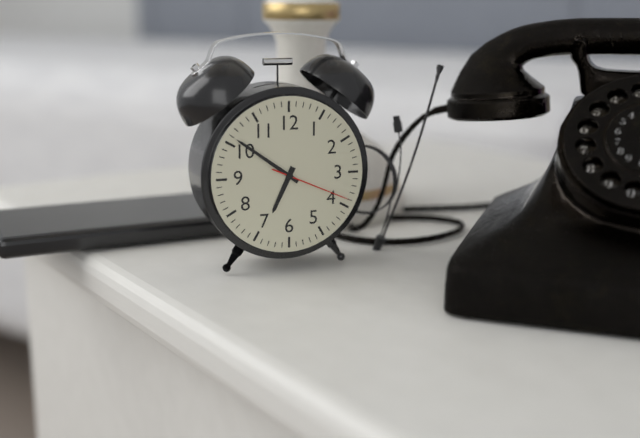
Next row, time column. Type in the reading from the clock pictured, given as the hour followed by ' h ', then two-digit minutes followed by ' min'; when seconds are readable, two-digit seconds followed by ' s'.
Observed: 6 h 51 min 19 s
